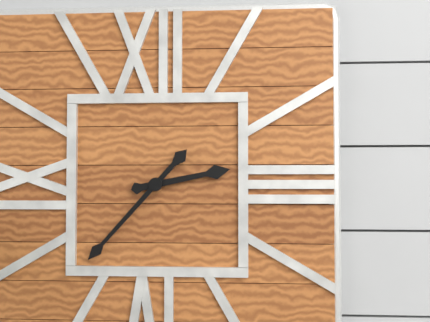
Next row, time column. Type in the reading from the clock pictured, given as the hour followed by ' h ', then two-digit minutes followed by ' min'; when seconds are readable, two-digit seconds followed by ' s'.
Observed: 2 h 37 min
